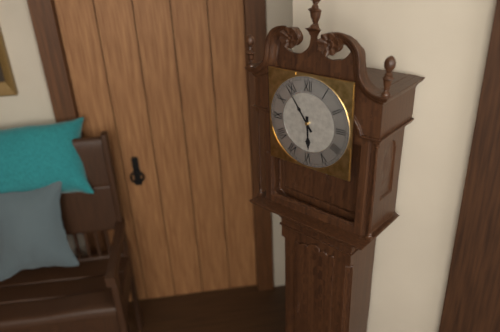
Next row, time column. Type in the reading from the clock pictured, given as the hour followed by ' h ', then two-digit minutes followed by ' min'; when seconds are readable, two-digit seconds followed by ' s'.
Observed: 5 h 54 min
